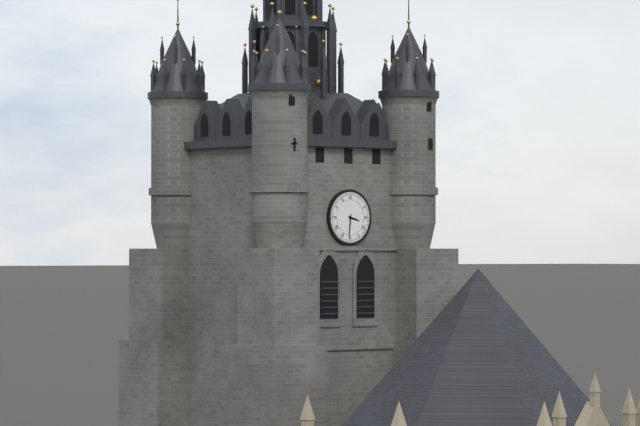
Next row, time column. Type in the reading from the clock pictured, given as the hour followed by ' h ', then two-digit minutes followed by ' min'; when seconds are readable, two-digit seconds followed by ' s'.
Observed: 3 h 31 min
